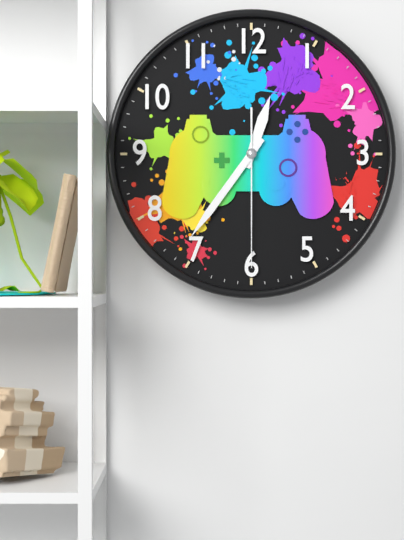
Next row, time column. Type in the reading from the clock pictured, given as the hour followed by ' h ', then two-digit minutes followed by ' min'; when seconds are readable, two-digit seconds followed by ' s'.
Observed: 12 h 36 min 30 s
